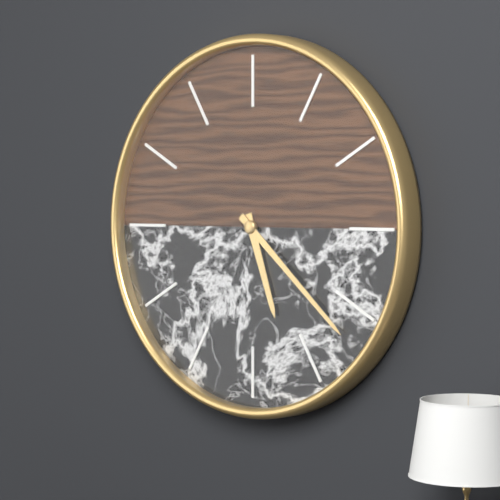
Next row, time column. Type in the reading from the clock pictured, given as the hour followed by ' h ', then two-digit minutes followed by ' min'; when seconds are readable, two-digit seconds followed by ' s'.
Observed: 5 h 22 min
